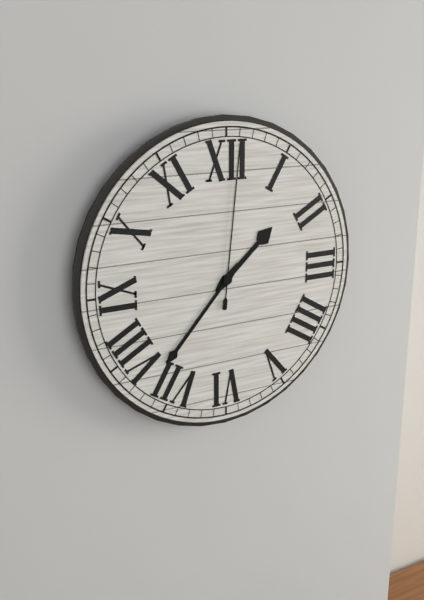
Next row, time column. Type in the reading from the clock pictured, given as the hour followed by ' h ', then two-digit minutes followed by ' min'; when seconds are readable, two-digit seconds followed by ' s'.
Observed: 1 h 37 min 01 s
